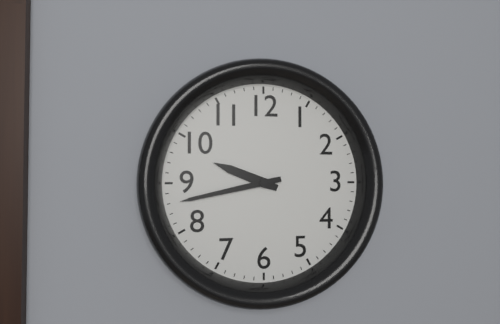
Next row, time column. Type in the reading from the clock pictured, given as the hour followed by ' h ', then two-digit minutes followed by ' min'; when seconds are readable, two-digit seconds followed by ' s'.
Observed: 9 h 43 min
